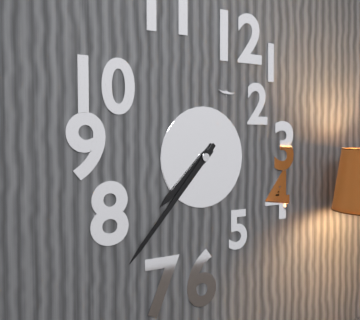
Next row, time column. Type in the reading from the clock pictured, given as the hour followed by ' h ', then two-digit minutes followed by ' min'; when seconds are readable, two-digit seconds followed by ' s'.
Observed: 7 h 37 min
